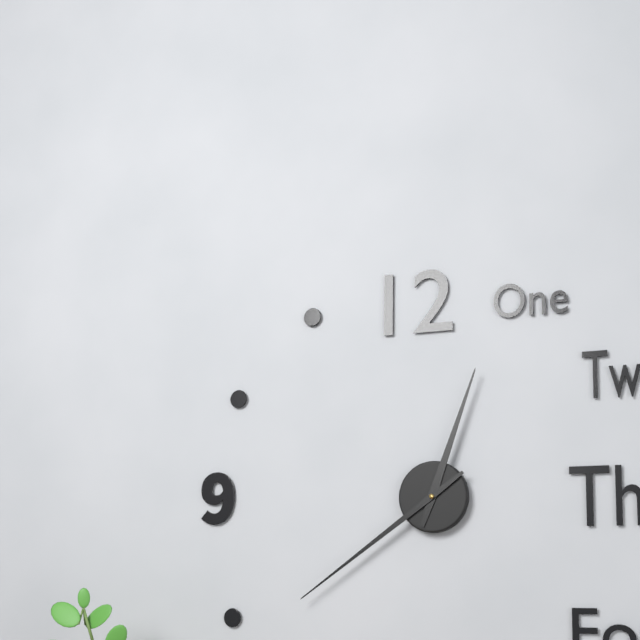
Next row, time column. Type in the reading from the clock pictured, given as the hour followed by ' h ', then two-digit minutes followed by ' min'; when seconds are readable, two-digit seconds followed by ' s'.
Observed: 12 h 39 min
